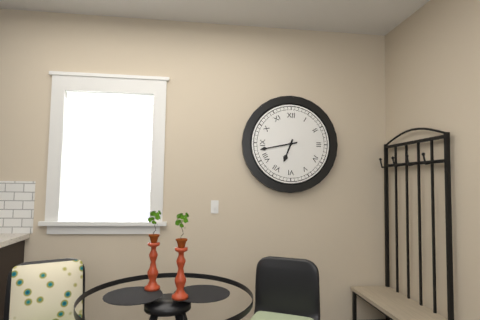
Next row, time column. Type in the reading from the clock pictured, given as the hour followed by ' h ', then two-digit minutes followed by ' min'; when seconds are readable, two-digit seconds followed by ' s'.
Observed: 6 h 43 min
